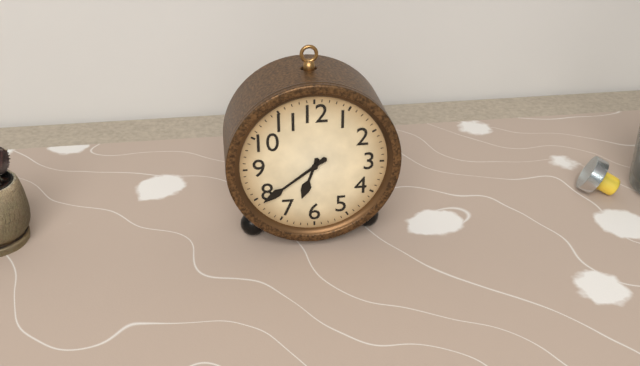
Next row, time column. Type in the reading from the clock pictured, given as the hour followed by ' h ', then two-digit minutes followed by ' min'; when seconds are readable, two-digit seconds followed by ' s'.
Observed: 6 h 39 min
